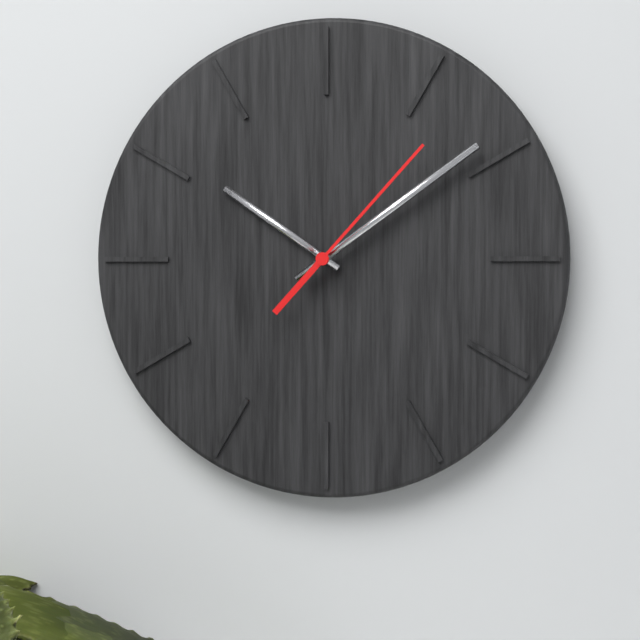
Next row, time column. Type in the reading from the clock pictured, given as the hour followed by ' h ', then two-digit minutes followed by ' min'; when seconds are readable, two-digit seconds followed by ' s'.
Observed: 10 h 09 min 07 s
